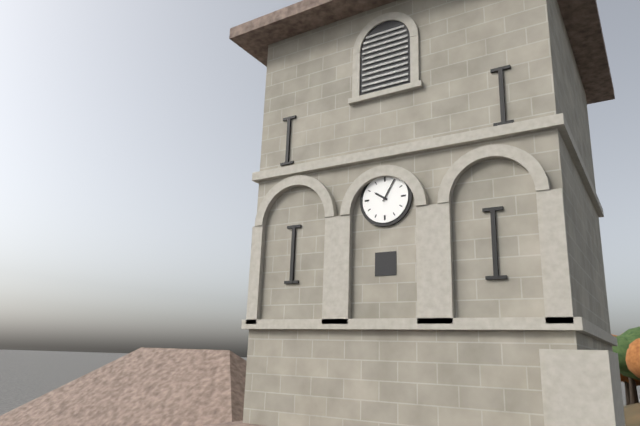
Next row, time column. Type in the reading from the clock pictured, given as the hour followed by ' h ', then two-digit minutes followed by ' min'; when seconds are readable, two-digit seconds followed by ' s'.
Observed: 10 h 05 min
